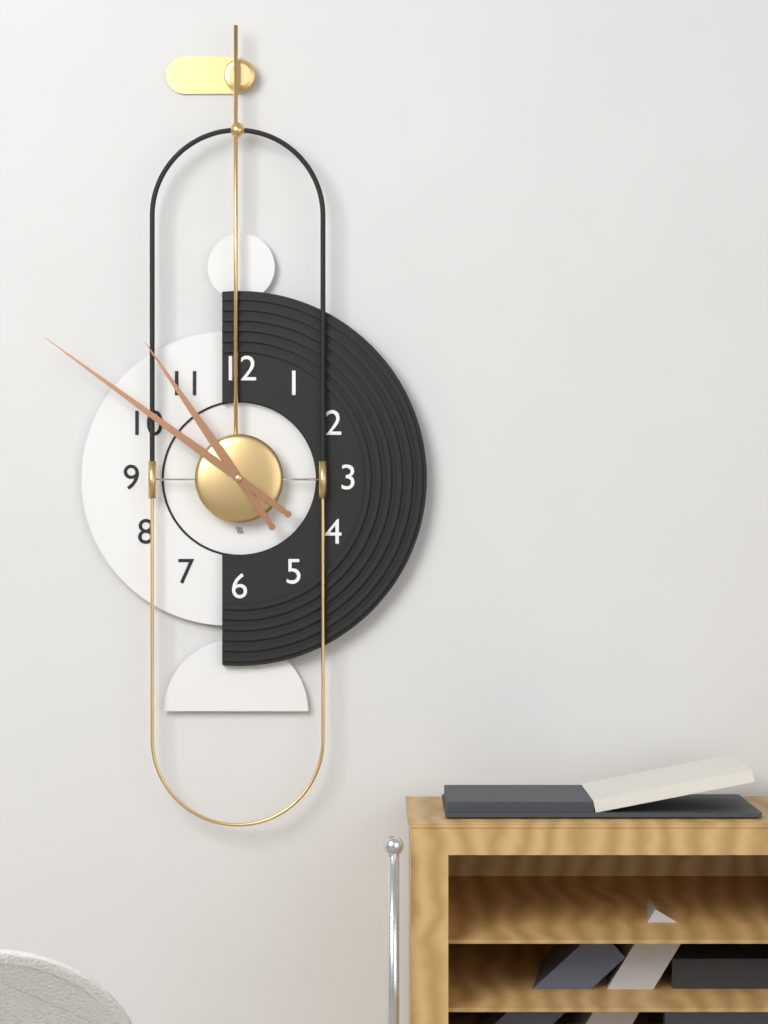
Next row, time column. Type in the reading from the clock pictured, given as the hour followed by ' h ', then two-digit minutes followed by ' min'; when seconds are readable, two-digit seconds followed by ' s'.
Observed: 10 h 51 min
